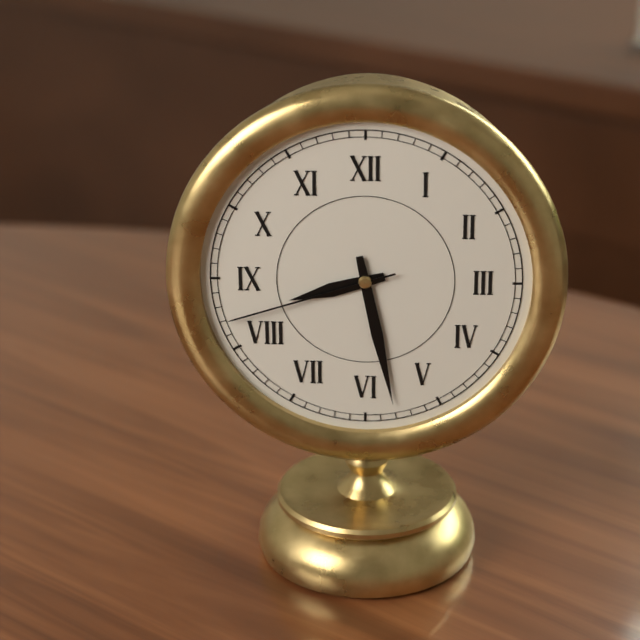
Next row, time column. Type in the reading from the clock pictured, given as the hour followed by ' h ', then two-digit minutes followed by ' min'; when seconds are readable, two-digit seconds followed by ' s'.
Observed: 8 h 28 min 42 s
